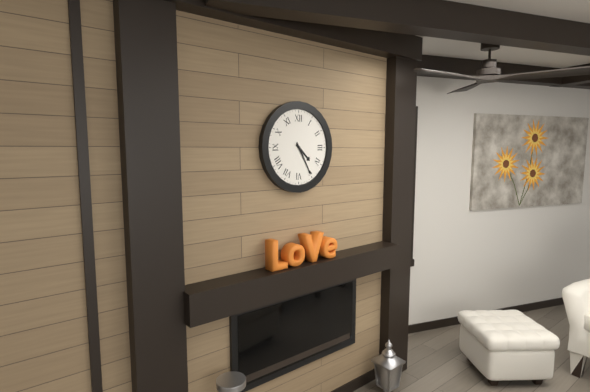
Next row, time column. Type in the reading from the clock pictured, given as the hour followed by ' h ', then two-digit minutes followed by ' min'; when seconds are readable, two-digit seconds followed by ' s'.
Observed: 4 h 25 min
